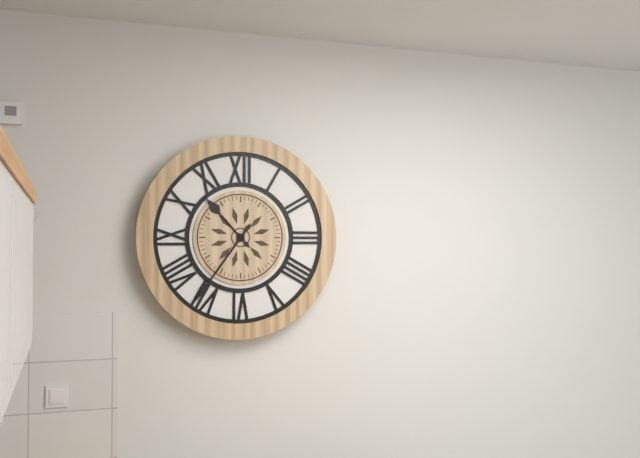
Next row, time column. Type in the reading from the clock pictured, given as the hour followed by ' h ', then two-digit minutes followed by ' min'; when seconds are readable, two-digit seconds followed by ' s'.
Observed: 10 h 36 min
